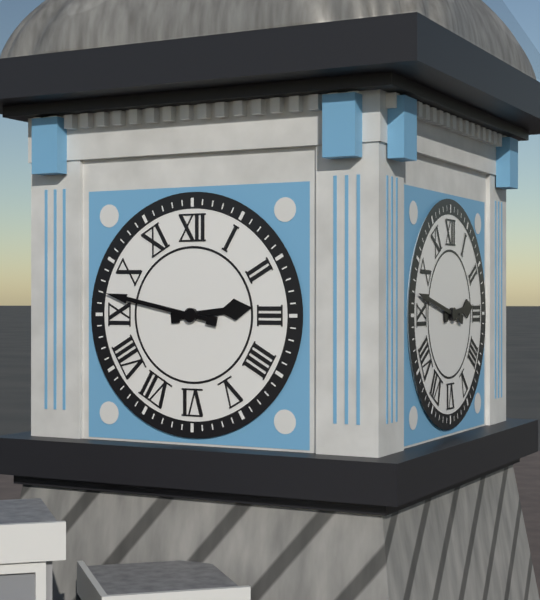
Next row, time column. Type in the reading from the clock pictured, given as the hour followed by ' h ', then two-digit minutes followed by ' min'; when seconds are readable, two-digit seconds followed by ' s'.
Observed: 2 h 47 min
